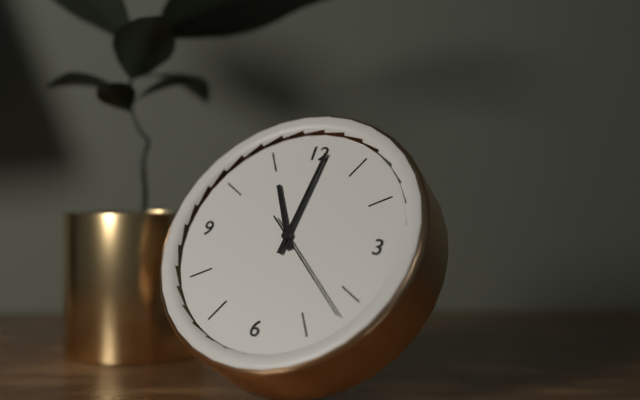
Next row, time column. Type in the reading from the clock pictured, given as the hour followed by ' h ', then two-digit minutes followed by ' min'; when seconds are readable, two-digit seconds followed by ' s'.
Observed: 11 h 01 min 22 s
